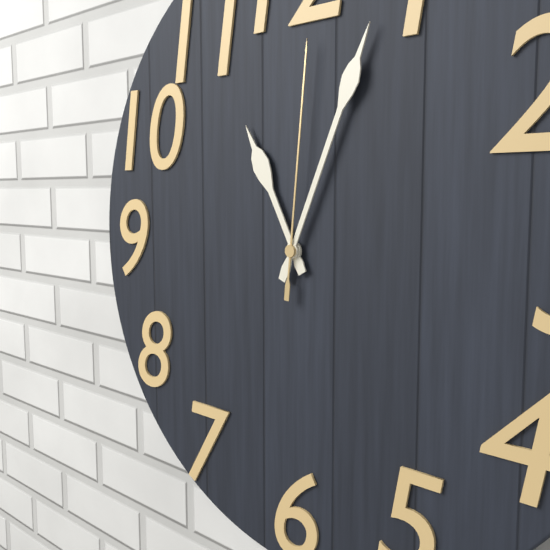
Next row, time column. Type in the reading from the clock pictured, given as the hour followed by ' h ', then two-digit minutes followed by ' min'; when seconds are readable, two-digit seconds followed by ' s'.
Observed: 11 h 04 min 01 s
